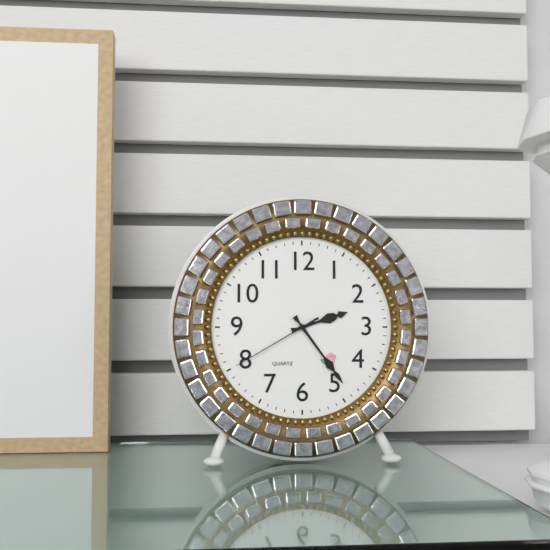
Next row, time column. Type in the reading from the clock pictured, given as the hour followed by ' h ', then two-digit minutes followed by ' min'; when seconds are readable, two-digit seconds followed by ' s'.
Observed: 2 h 24 min 40 s
